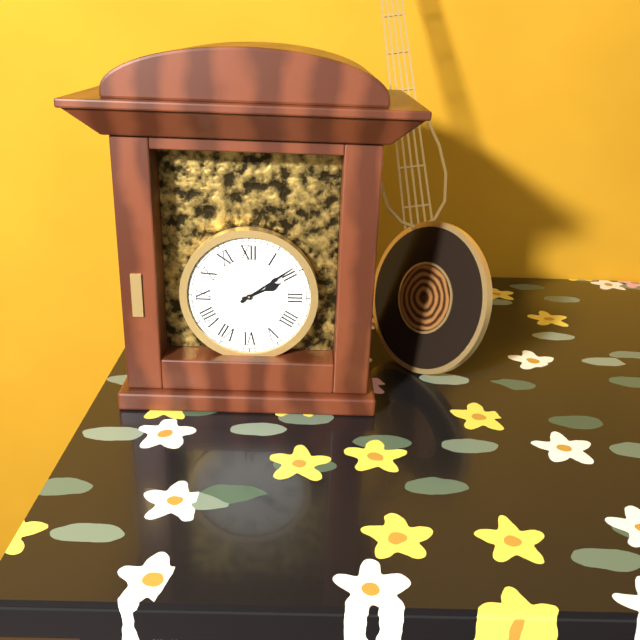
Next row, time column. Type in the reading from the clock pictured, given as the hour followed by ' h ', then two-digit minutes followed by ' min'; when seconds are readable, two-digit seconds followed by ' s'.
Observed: 2 h 09 min
